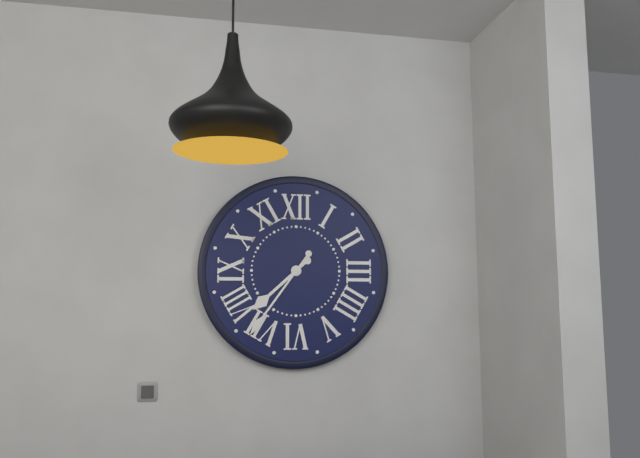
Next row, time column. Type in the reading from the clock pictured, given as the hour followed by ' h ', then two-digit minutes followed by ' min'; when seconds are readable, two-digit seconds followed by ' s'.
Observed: 7 h 36 min
